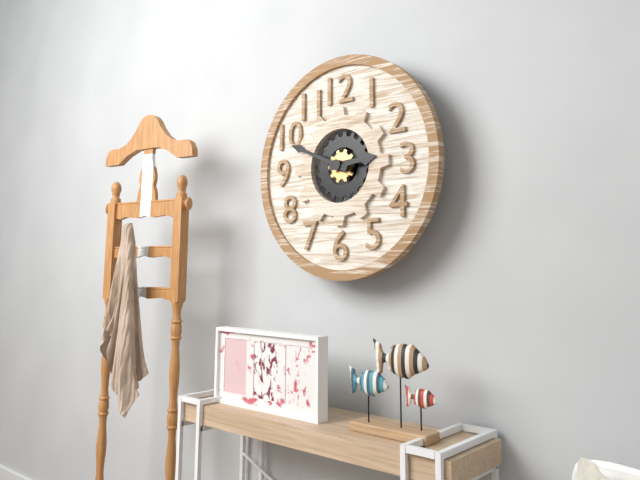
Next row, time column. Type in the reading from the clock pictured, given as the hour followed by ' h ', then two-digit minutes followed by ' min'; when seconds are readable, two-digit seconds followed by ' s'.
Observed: 2 h 49 min
